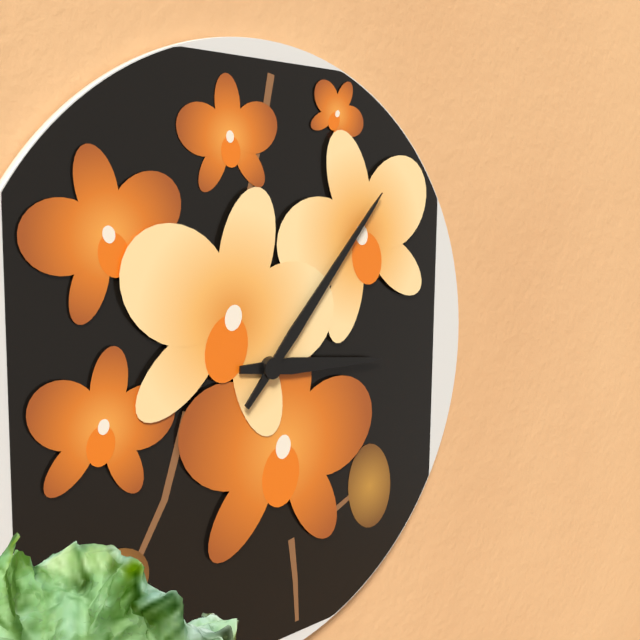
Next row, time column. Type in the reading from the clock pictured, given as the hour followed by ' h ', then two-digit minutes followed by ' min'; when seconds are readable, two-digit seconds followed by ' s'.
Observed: 3 h 07 min
